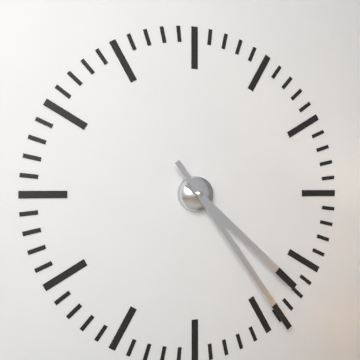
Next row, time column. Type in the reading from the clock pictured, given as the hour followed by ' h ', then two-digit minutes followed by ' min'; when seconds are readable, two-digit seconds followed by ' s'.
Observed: 4 h 24 min
